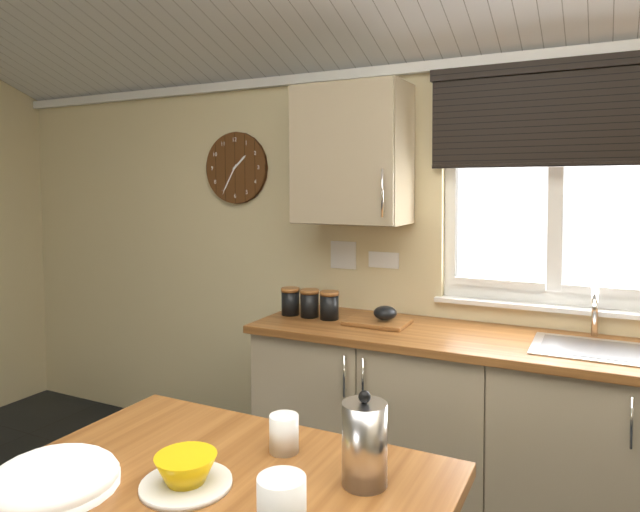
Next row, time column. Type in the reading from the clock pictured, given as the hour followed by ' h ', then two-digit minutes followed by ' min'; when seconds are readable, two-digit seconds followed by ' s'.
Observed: 1 h 35 min
